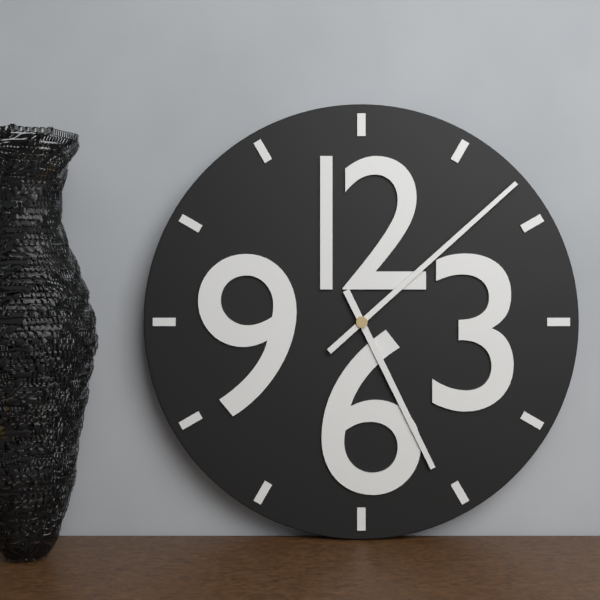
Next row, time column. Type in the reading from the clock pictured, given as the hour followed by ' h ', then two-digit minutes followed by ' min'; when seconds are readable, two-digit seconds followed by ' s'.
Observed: 5 h 08 min
